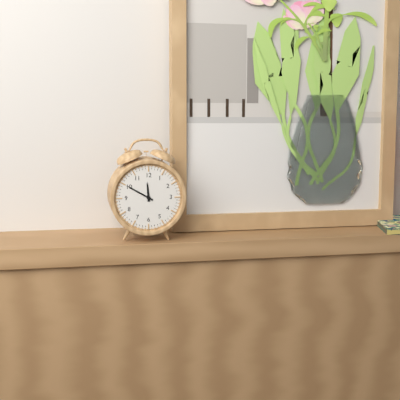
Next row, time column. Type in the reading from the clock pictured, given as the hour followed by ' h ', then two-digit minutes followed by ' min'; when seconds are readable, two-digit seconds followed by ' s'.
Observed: 11 h 50 min
